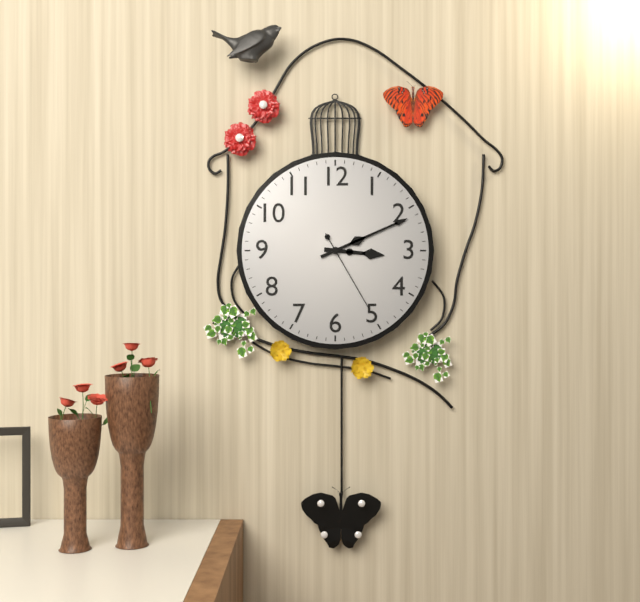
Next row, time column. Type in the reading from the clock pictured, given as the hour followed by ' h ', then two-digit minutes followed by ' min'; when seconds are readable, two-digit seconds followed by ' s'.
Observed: 3 h 11 min 25 s
